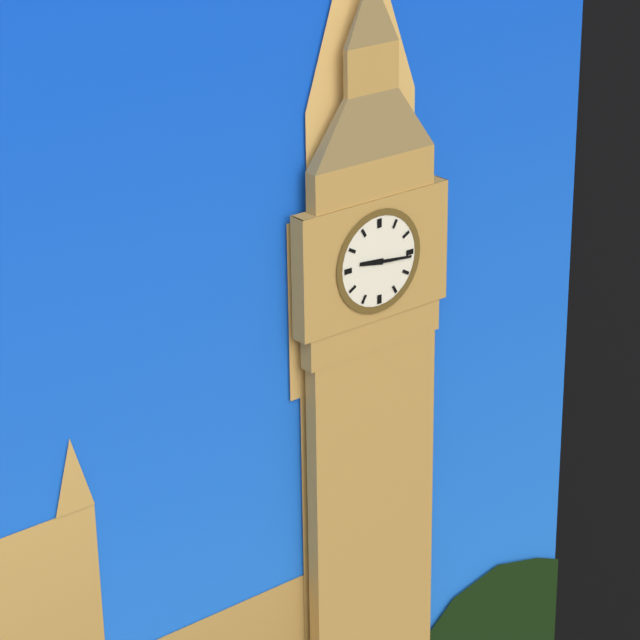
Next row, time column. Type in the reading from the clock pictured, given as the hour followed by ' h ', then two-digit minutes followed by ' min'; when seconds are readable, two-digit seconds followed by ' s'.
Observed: 9 h 16 min
